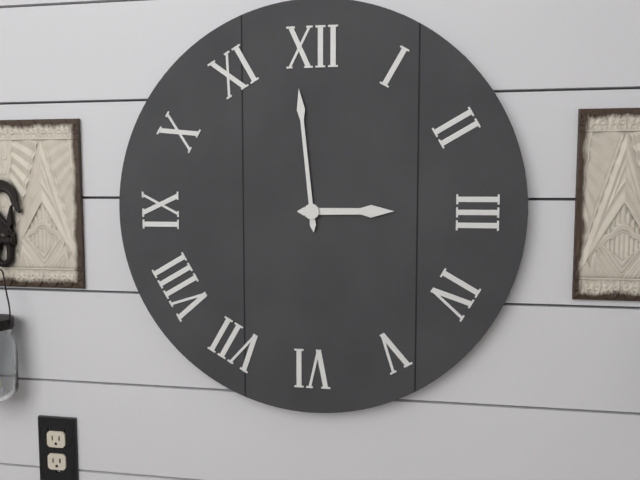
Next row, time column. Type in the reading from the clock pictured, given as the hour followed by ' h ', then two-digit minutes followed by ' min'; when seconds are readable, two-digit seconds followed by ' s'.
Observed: 2 h 59 min
